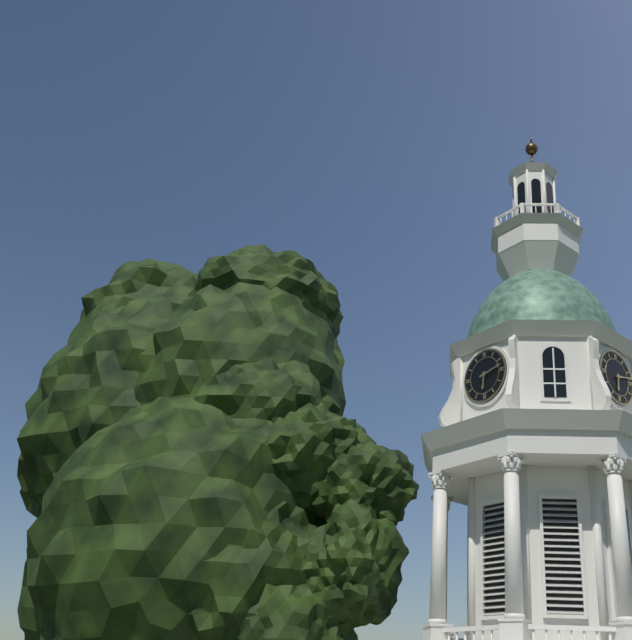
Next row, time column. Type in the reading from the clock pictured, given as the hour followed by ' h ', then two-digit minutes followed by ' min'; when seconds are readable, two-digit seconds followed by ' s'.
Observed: 6 h 13 min
